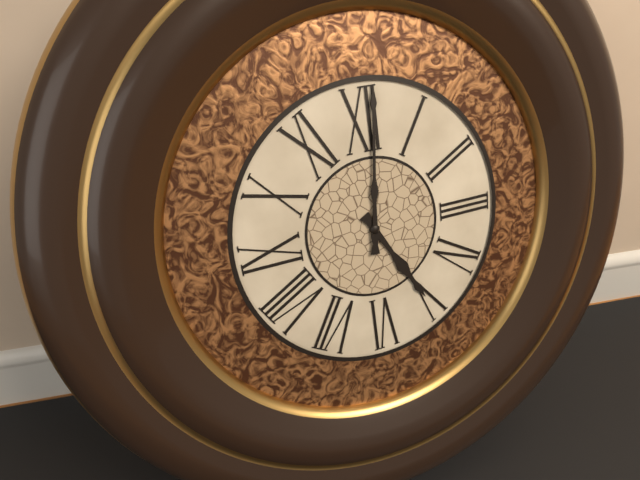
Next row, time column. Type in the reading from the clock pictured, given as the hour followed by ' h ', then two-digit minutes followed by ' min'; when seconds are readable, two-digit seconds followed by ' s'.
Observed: 5 h 01 min
